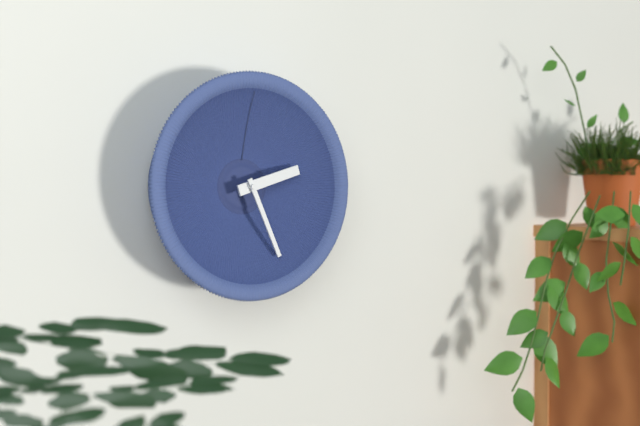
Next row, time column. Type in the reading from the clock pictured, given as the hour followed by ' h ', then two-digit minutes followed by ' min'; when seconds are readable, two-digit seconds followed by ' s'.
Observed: 2 h 26 min
